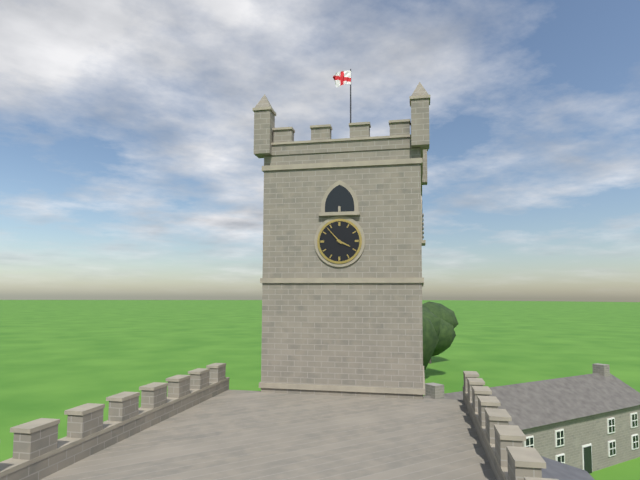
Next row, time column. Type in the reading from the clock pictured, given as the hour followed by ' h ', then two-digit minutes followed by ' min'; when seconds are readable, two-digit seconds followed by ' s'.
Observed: 3 h 53 min
